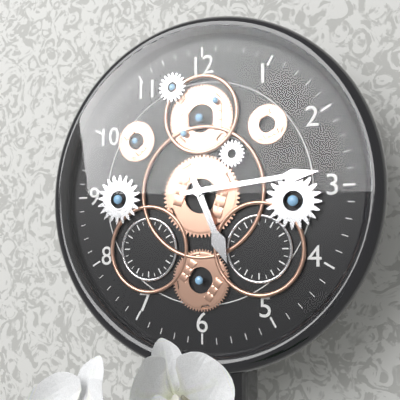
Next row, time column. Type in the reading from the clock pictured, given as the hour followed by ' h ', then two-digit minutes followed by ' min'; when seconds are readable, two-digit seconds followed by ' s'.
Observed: 5 h 14 min
